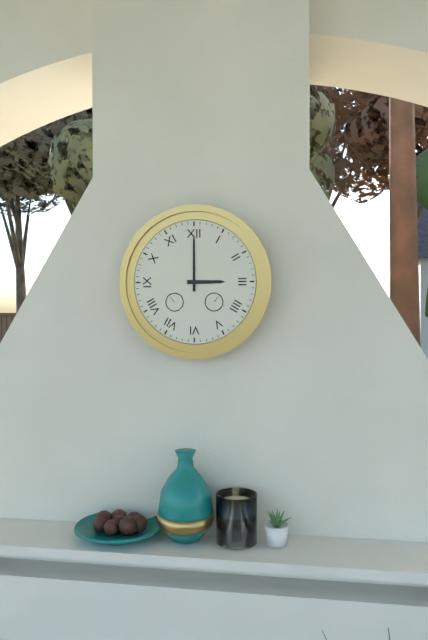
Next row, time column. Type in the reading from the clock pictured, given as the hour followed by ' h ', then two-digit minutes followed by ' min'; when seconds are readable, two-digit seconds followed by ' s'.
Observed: 3 h 00 min
